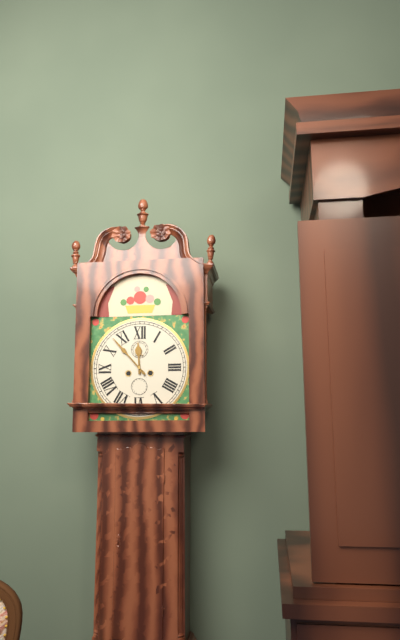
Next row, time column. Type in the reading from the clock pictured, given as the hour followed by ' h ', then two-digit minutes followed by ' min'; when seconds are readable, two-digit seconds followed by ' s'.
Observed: 11 h 53 min
